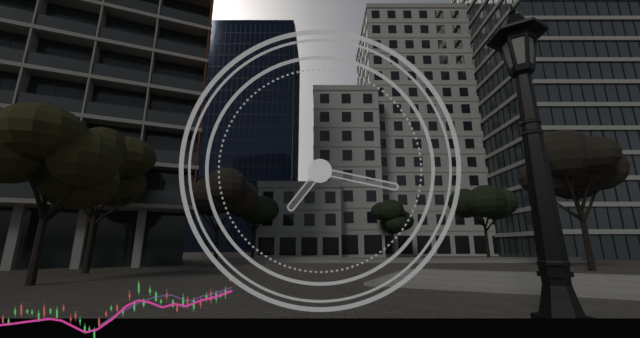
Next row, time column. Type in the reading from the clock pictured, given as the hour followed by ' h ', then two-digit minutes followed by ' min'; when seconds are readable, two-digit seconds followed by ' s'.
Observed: 7 h 17 min
